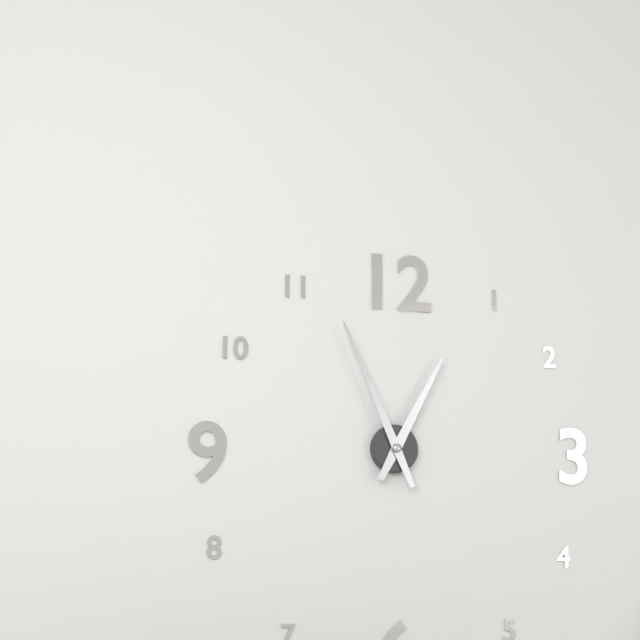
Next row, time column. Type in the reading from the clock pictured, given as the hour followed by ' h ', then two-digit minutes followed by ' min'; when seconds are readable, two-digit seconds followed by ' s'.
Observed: 12 h 56 min
